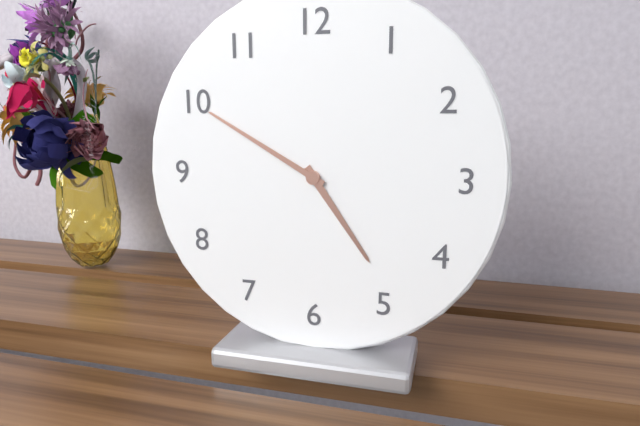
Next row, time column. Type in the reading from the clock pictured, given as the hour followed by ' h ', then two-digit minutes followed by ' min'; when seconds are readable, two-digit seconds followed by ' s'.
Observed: 4 h 50 min
